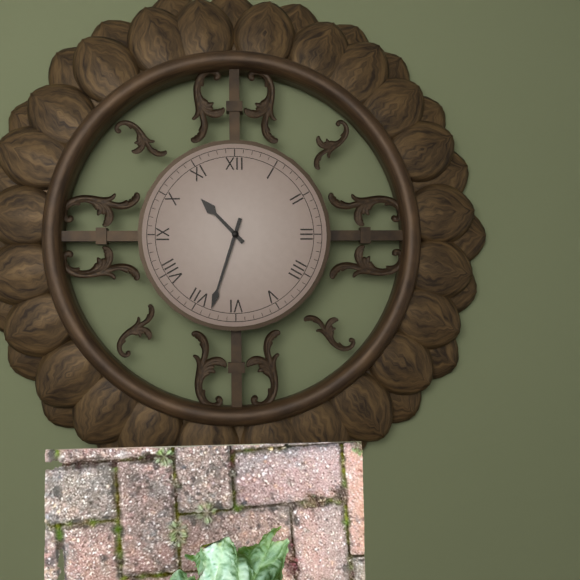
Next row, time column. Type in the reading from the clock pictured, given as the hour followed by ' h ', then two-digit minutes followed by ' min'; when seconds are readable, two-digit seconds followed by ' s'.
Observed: 10 h 33 min
